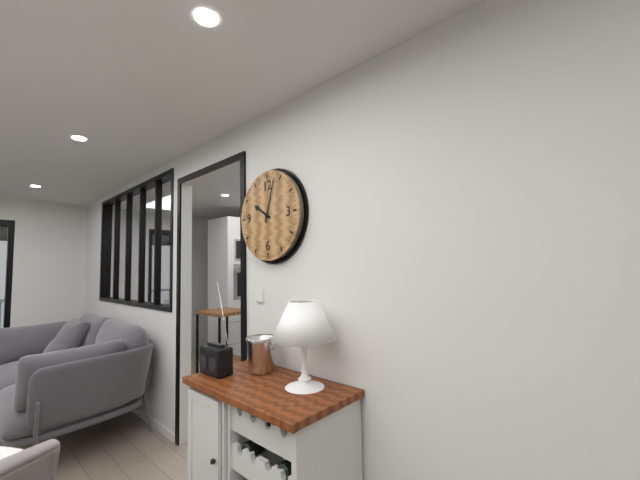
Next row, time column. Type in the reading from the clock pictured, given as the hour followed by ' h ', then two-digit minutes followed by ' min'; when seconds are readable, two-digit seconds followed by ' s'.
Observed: 10 h 03 min
